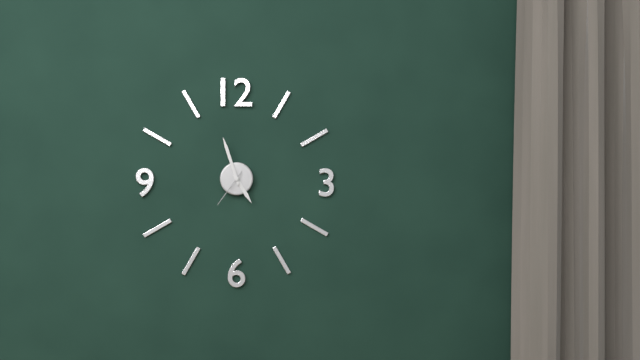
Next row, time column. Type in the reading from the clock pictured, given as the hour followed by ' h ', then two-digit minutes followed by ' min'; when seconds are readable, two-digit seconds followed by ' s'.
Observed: 4 h 57 min
